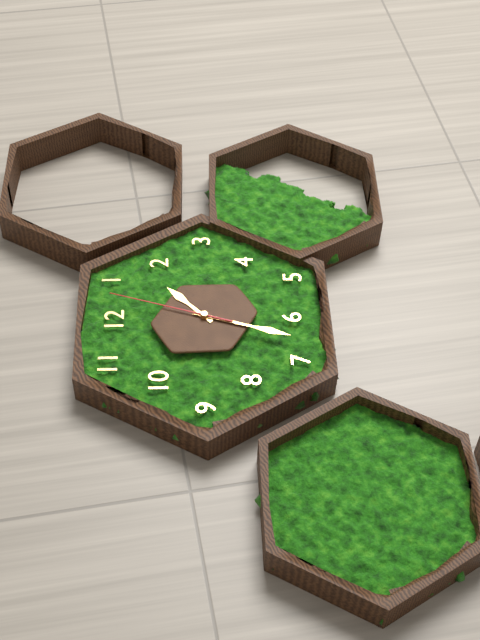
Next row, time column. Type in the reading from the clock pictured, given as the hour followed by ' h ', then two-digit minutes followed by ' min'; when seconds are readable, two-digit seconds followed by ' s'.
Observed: 1 h 33 min 03 s
